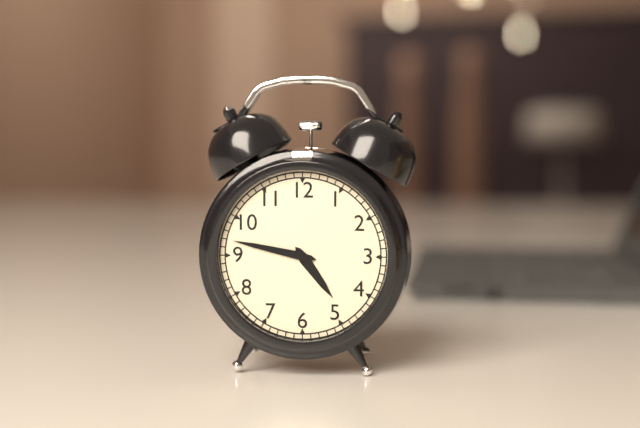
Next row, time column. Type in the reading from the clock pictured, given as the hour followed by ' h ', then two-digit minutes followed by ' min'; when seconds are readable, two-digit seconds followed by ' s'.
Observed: 4 h 47 min
